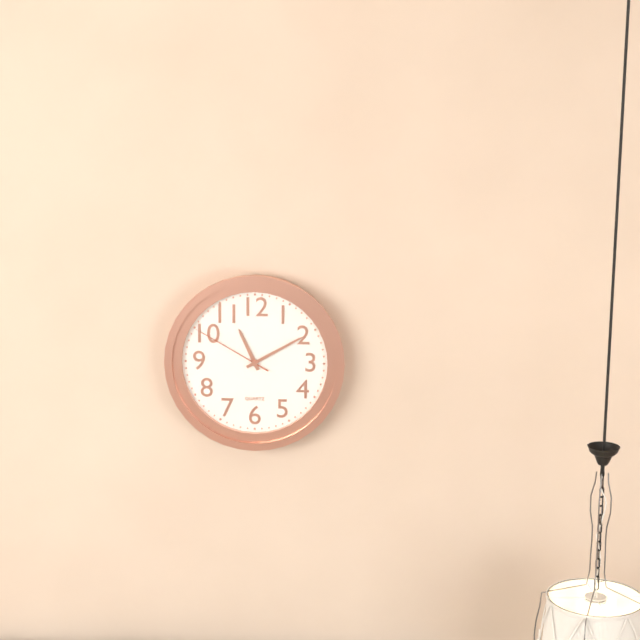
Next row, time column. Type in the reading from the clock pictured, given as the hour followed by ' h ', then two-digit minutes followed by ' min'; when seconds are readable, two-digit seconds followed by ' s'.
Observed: 11 h 10 min 50 s
